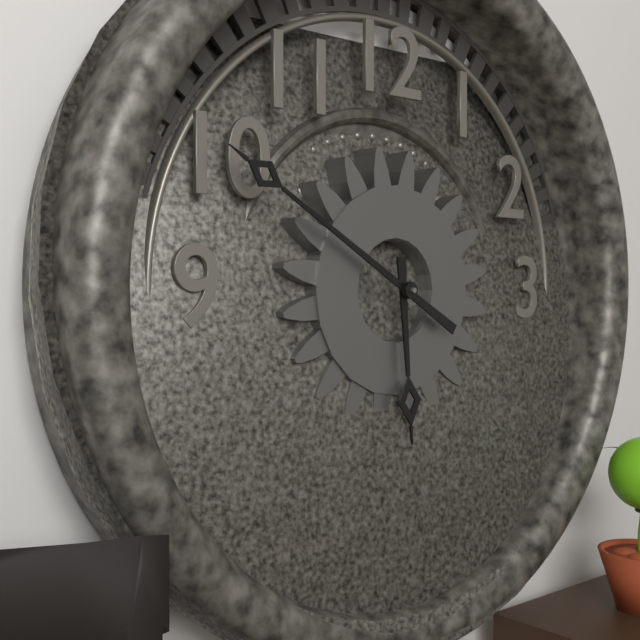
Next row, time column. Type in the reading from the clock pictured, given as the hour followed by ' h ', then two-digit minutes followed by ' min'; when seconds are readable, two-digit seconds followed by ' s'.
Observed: 5 h 50 min
